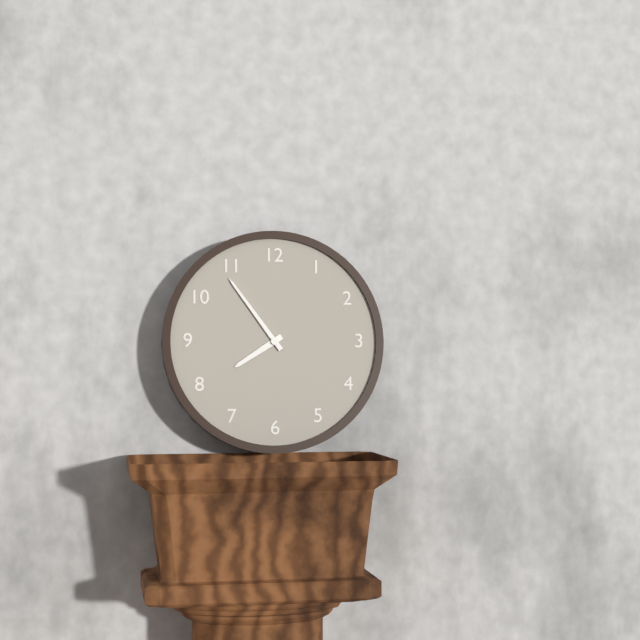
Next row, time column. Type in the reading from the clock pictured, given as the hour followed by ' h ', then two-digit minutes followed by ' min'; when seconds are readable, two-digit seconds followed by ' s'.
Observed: 7 h 54 min
